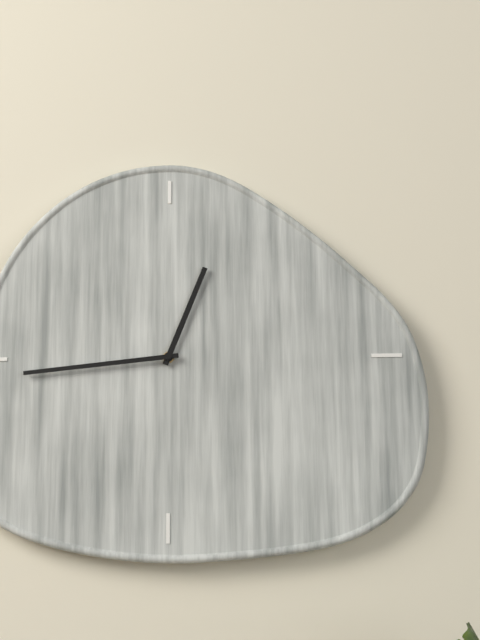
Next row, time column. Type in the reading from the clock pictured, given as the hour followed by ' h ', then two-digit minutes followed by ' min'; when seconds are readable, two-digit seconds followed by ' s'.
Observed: 12 h 44 min
